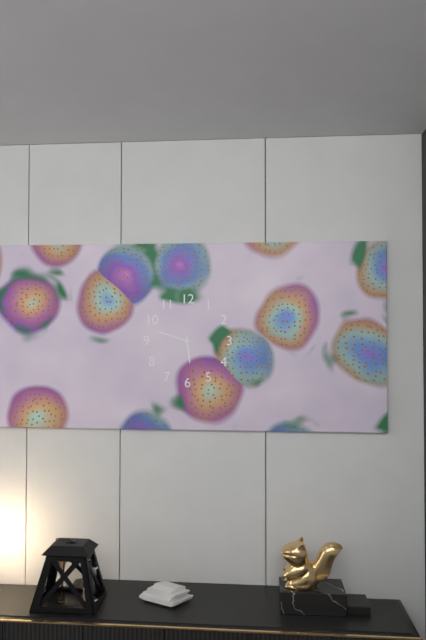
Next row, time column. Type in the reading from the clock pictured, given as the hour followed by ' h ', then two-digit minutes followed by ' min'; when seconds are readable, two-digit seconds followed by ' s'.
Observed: 5 h 48 min
